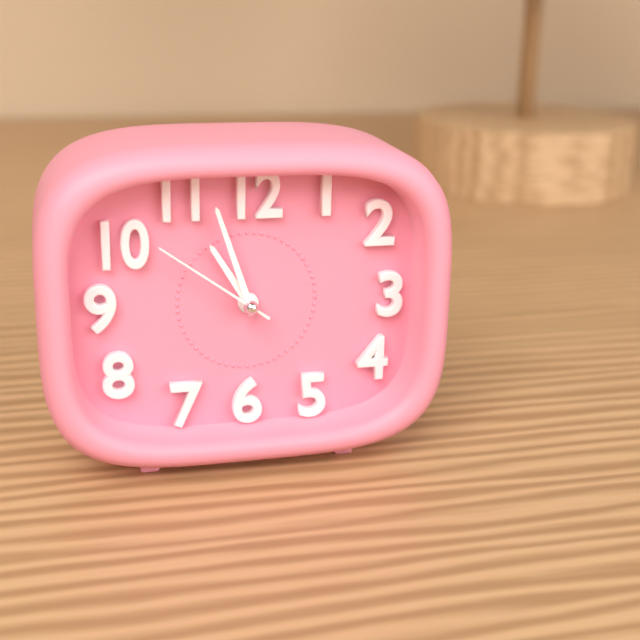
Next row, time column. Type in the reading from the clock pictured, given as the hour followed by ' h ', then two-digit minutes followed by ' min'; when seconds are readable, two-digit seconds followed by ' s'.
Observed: 10 h 57 min 51 s
